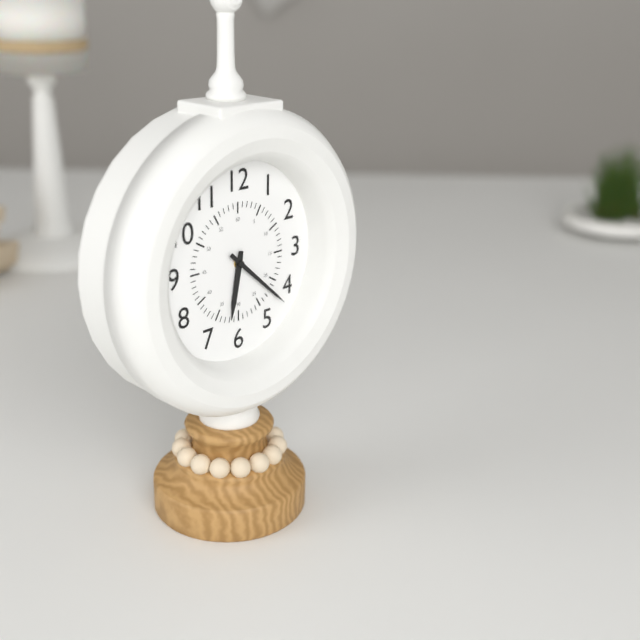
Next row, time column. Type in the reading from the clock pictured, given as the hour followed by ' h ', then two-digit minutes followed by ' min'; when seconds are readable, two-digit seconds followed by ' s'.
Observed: 6 h 22 min
